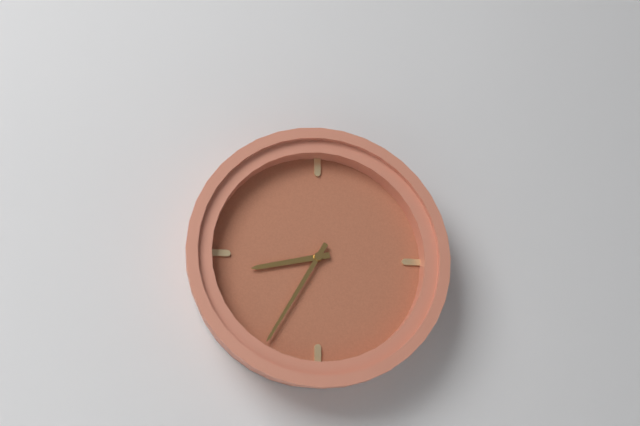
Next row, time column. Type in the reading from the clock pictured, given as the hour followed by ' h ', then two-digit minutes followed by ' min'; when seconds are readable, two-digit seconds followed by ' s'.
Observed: 8 h 35 min
